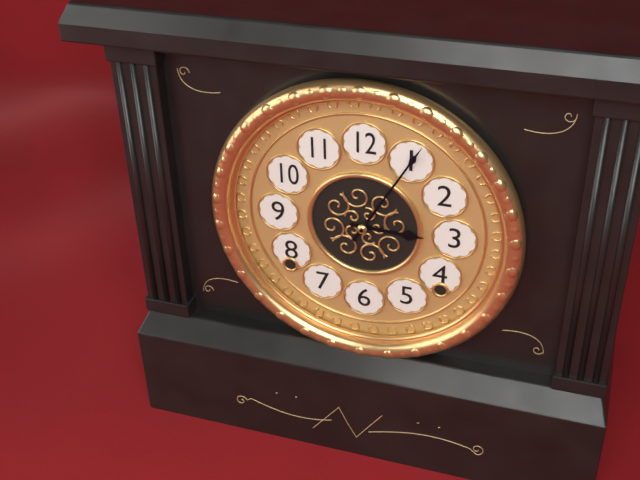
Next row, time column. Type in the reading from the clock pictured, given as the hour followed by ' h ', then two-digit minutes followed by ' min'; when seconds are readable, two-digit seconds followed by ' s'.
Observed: 3 h 05 min
